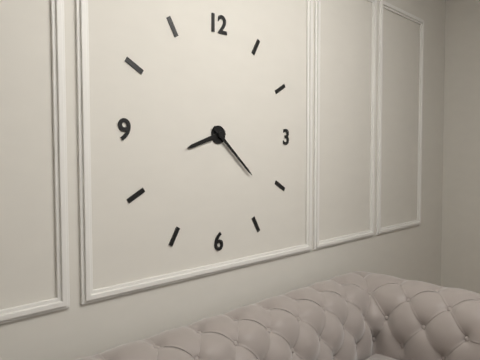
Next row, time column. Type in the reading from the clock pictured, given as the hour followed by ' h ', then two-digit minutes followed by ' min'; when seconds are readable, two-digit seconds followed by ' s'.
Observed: 8 h 22 min
